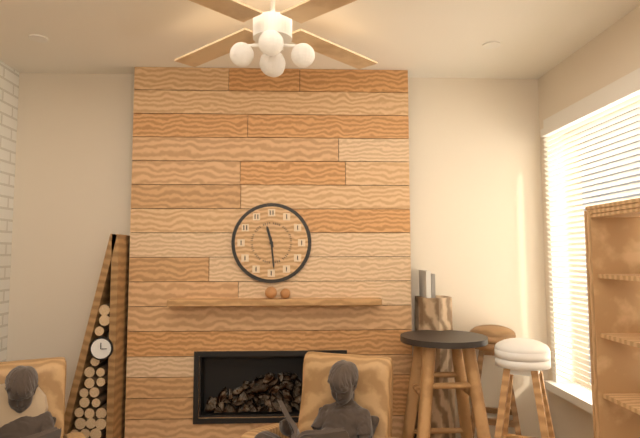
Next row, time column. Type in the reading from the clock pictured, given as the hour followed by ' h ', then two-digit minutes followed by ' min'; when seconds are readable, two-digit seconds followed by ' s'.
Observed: 11 h 29 min
